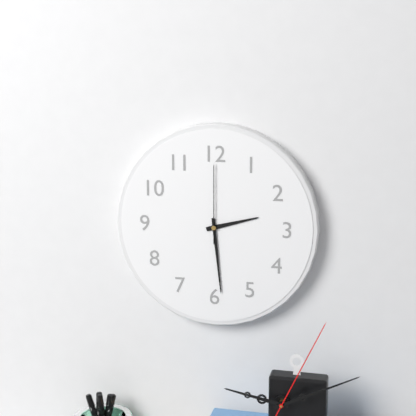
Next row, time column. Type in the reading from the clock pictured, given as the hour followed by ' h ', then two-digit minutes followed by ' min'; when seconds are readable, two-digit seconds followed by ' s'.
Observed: 2 h 29 min 00 s
